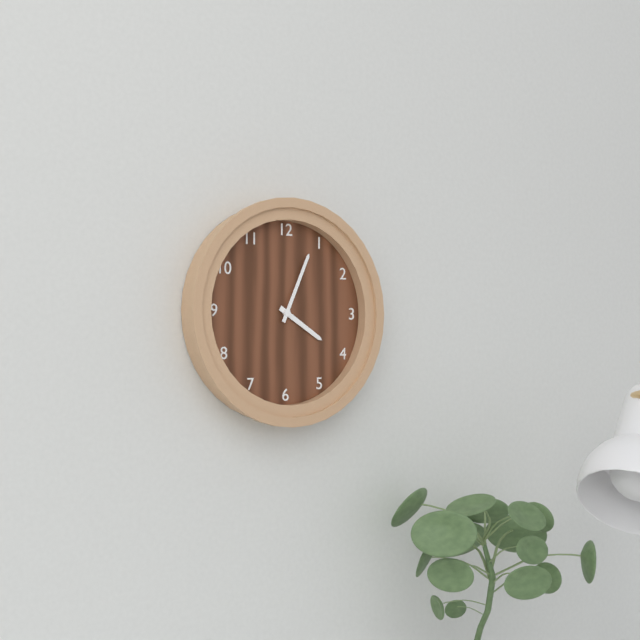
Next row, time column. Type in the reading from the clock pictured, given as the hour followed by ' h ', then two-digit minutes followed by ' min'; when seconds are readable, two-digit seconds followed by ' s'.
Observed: 4 h 04 min
